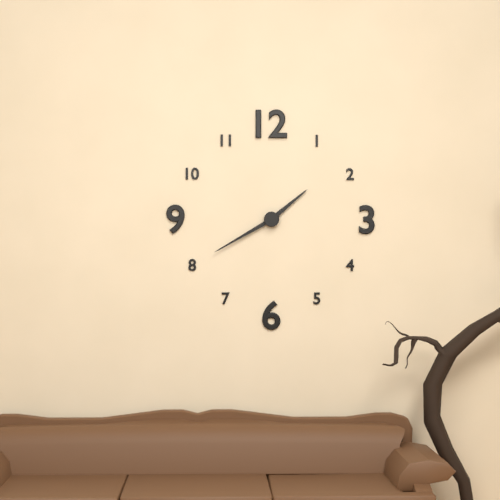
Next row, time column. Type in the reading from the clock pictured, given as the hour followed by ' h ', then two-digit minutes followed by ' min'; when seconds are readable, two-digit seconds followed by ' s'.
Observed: 1 h 40 min
